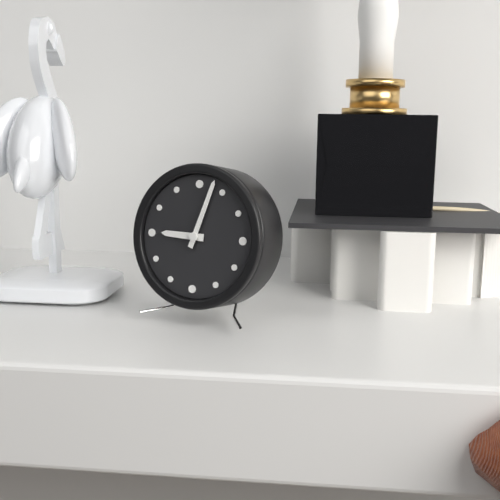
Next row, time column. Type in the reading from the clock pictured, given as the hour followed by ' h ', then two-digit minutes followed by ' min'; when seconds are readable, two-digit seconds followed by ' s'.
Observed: 9 h 03 min
